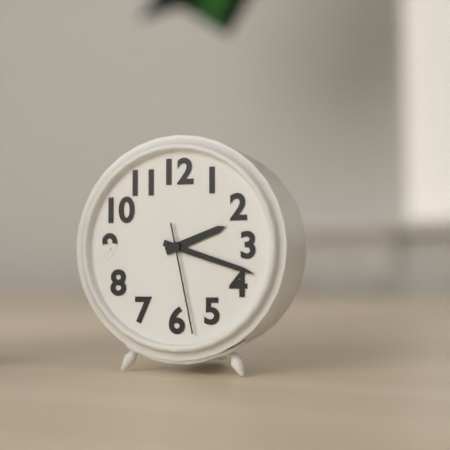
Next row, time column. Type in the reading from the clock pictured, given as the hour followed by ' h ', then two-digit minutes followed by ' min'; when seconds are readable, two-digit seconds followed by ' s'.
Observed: 2 h 18 min 28 s
